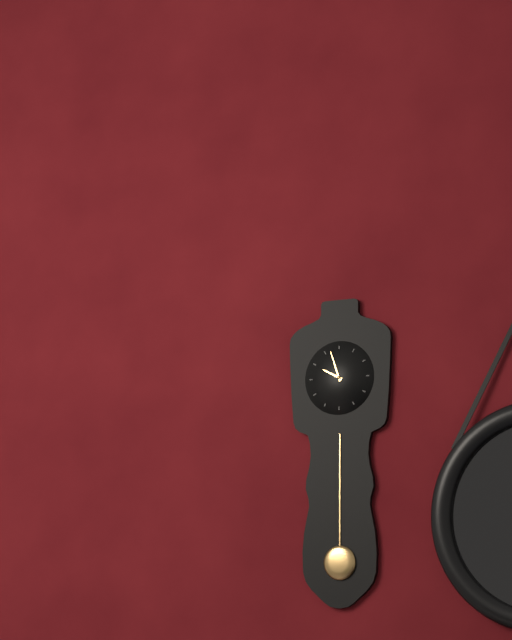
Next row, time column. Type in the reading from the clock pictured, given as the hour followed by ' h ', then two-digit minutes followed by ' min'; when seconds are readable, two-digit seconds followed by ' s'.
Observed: 9 h 57 min
